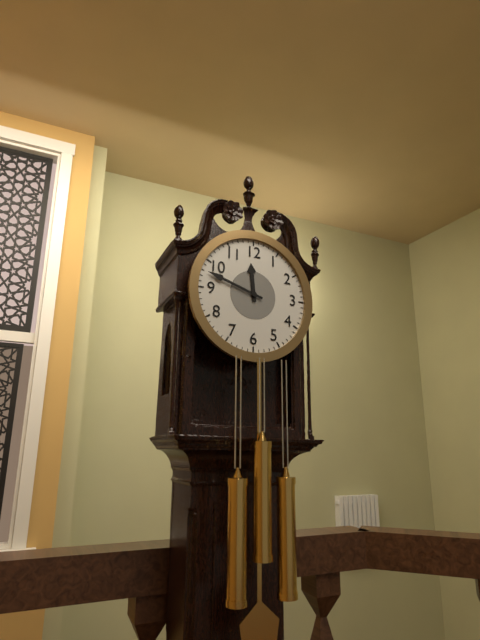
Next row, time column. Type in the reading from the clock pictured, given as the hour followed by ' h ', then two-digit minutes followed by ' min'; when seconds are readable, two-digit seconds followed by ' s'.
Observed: 11 h 48 min
